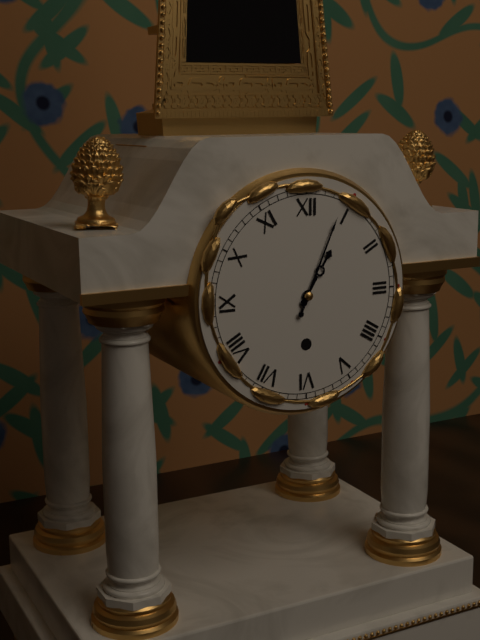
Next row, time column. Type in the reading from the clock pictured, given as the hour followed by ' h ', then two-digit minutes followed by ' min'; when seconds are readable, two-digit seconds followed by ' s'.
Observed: 1 h 04 min
